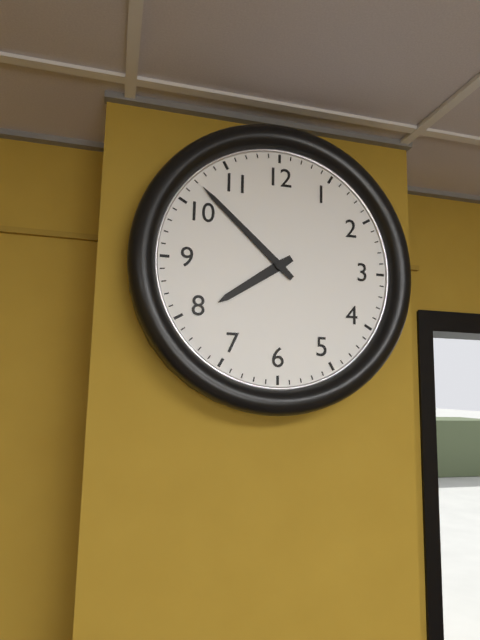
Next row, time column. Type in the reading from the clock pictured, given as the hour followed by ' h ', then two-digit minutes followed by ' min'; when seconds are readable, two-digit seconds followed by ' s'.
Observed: 7 h 52 min
